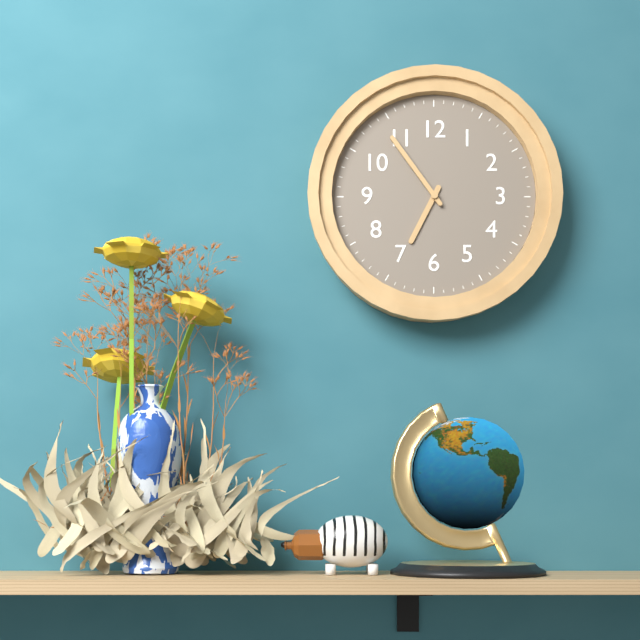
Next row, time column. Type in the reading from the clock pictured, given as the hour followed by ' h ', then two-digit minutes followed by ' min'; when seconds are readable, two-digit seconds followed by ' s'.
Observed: 6 h 54 min
